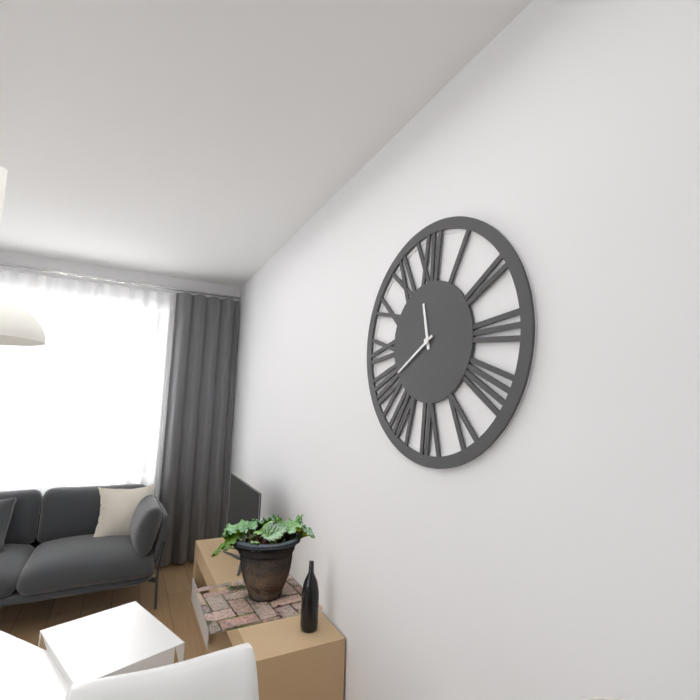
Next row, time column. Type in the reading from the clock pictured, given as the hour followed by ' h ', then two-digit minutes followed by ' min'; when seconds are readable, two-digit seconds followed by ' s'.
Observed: 11 h 40 min
